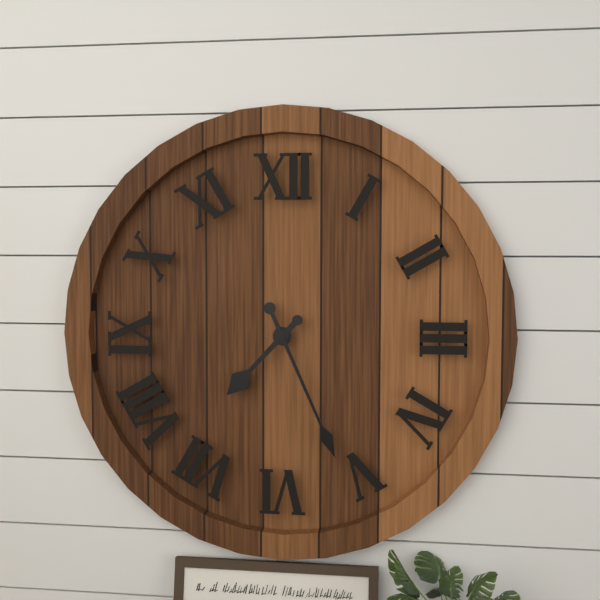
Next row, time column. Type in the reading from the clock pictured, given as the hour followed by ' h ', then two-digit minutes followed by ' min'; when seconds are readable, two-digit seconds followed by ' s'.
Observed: 7 h 26 min
